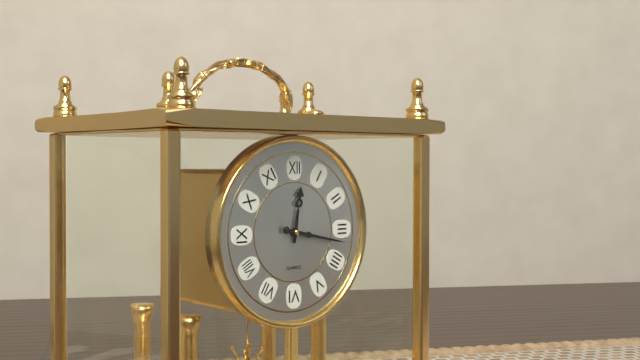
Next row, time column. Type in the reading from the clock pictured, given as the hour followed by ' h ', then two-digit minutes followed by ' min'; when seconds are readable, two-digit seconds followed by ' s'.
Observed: 12 h 17 min
